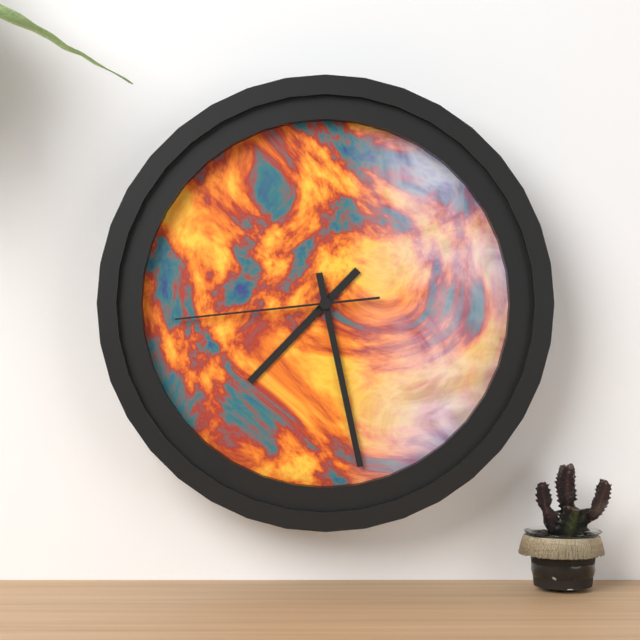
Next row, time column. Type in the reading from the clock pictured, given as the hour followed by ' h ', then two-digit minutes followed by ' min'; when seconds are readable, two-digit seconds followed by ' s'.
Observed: 7 h 28 min 44 s
